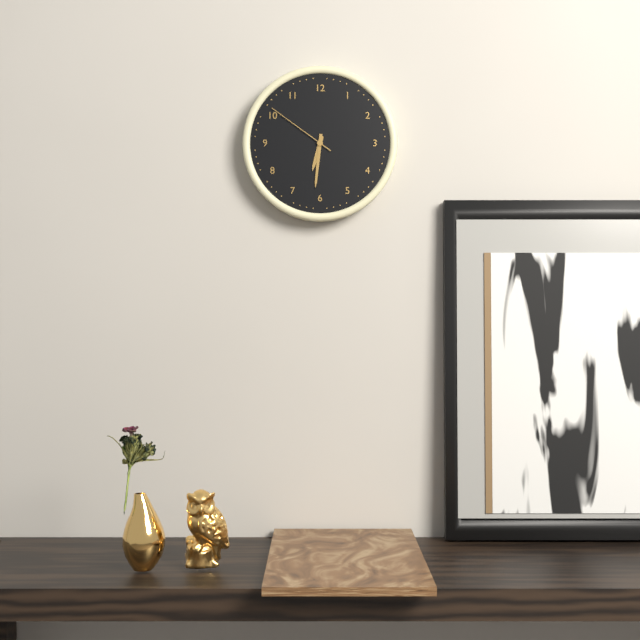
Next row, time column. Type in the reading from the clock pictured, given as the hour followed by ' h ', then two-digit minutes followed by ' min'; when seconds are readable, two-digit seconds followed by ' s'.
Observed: 6 h 31 min 51 s
